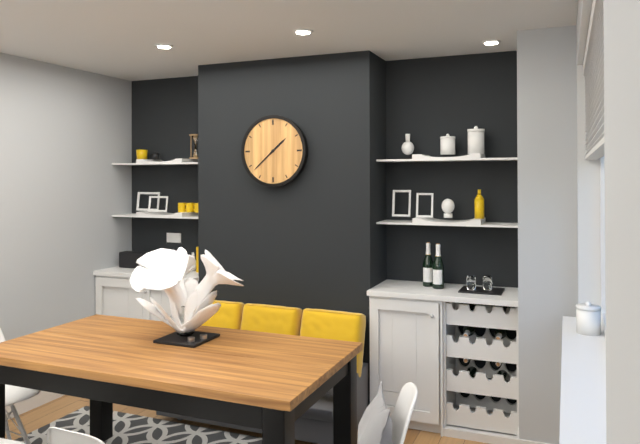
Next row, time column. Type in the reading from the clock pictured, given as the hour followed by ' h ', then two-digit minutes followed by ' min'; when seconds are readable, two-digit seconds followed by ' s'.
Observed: 1 h 38 min
